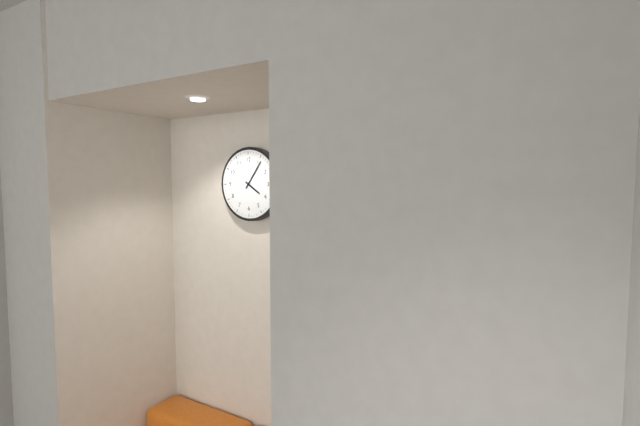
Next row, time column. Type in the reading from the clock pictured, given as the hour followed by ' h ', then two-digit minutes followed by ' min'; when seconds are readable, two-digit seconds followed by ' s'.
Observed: 4 h 06 min
